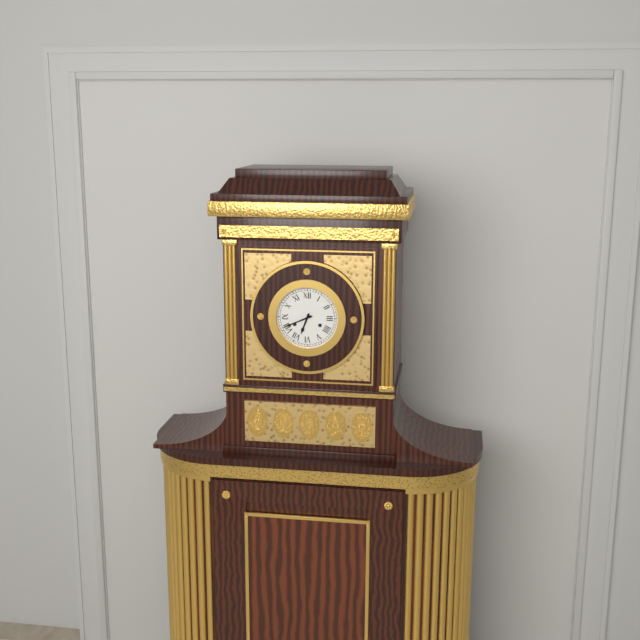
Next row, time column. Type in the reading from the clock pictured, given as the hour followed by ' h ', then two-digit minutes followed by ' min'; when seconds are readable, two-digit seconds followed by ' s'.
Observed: 6 h 41 min
